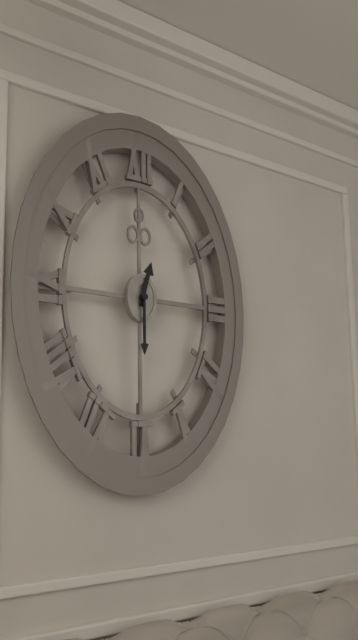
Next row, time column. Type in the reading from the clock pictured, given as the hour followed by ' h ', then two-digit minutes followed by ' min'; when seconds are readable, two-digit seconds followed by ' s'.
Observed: 12 h 30 min
